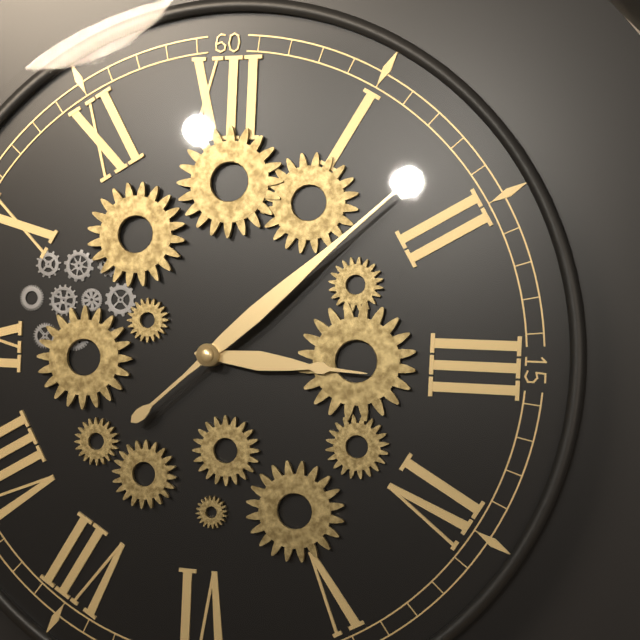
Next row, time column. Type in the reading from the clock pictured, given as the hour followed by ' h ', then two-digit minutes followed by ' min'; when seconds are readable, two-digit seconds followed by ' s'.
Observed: 3 h 08 min
